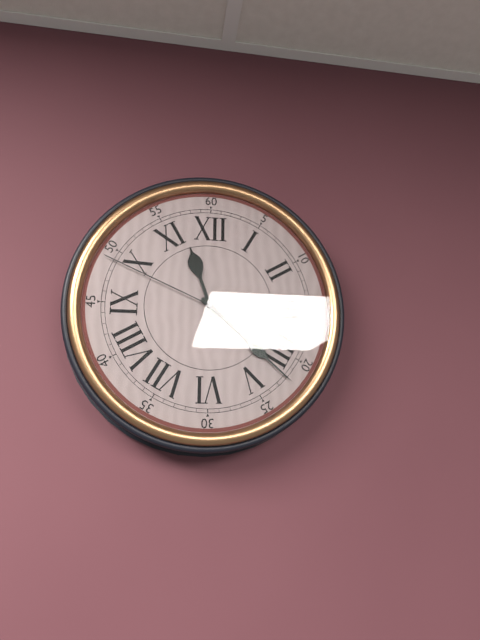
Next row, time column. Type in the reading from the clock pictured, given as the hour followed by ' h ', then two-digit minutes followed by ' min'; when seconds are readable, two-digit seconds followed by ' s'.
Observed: 11 h 22 min 49 s
